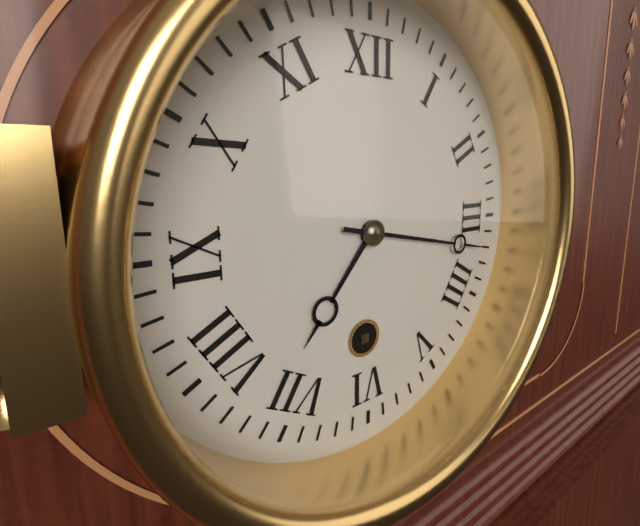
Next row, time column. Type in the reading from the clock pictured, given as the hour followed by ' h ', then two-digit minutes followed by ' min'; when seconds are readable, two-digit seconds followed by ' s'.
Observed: 7 h 17 min
